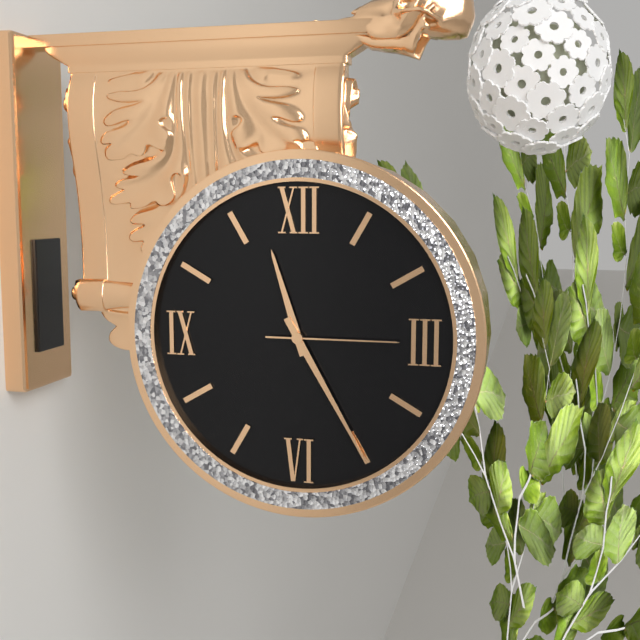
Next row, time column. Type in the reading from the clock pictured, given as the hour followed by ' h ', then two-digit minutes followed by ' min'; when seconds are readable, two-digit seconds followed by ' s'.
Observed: 11 h 25 min 15 s
